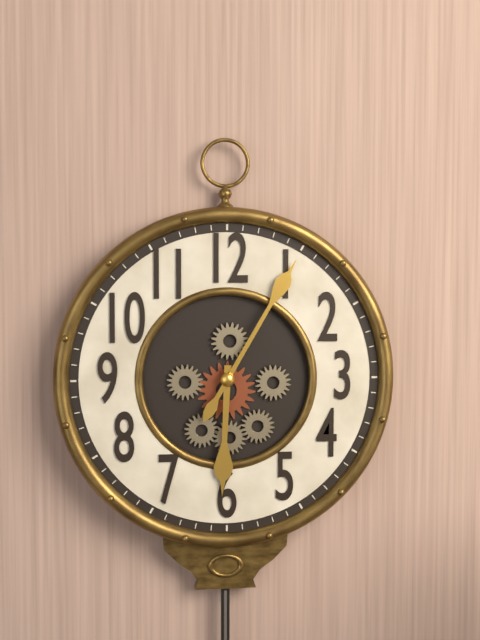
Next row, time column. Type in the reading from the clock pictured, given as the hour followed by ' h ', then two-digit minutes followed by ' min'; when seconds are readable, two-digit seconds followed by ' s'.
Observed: 6 h 05 min
